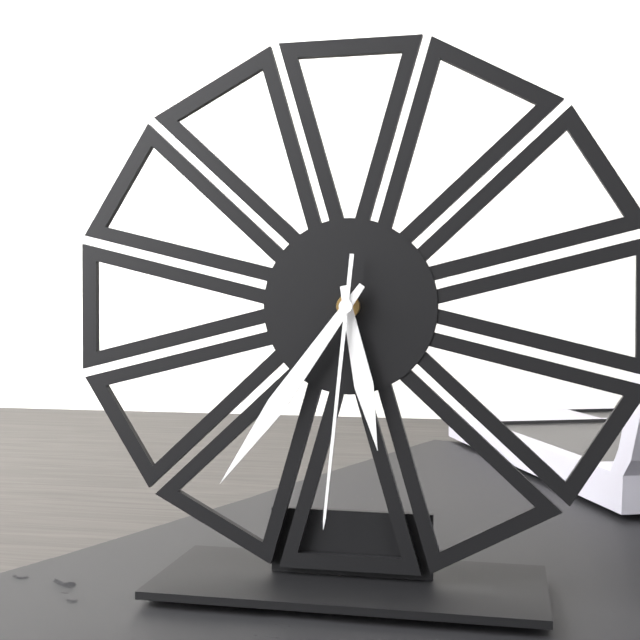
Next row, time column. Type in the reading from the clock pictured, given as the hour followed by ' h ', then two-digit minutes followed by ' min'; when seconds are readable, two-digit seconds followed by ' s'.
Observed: 5 h 36 min 31 s
